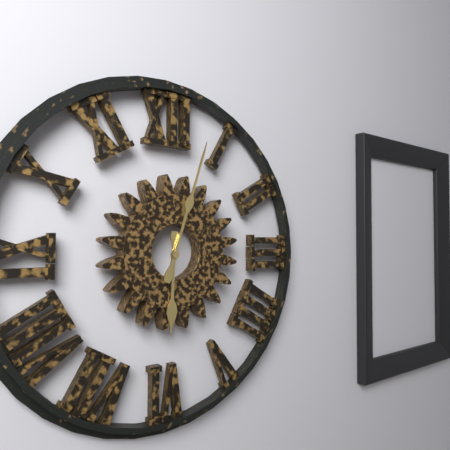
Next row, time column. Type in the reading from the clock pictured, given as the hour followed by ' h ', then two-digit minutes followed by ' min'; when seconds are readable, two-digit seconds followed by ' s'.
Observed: 6 h 03 min
